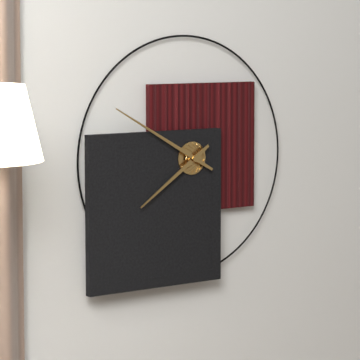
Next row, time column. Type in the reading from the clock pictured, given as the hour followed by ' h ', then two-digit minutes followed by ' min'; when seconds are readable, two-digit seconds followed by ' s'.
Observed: 7 h 50 min
